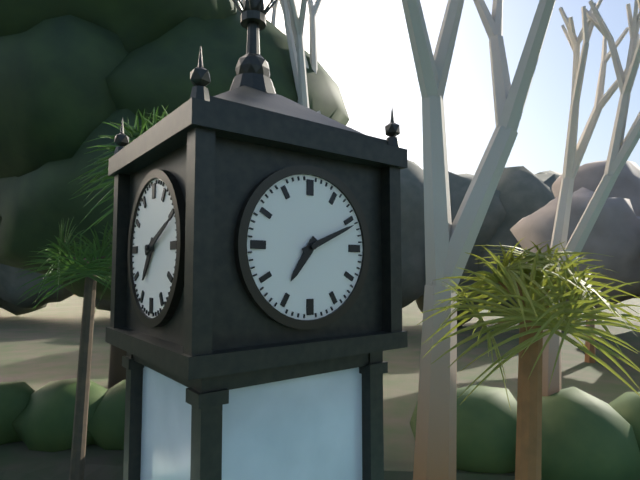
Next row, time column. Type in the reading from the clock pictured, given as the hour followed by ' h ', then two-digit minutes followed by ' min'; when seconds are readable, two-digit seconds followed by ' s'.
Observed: 7 h 11 min
